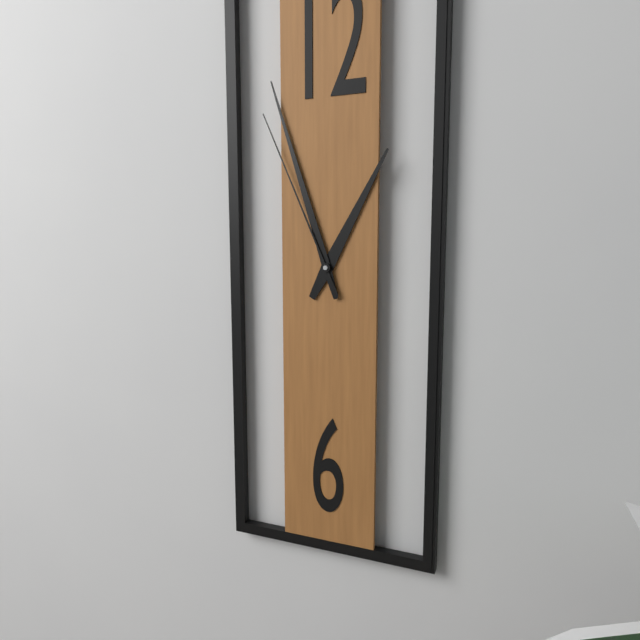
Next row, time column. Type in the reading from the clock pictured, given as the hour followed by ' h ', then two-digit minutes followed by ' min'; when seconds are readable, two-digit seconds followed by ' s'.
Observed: 12 h 57 min 56 s
